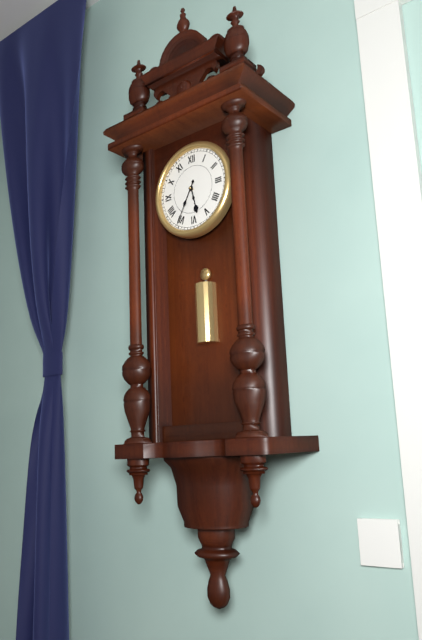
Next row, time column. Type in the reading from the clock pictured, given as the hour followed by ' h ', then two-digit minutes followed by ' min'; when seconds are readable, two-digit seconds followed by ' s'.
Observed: 5 h 35 min
